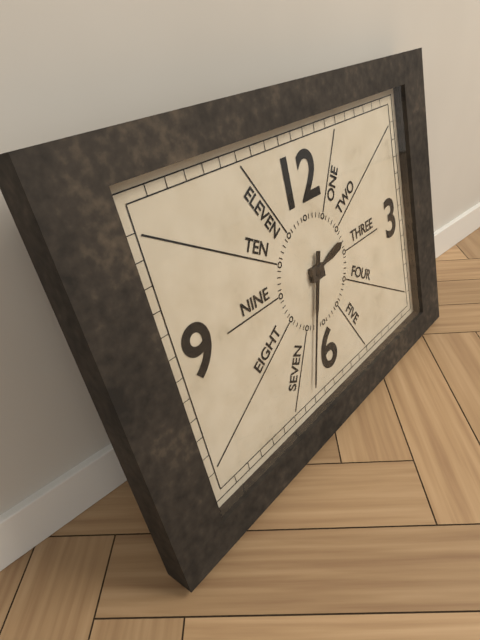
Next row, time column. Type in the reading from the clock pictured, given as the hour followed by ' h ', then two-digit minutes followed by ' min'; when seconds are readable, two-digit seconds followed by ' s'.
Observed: 2 h 33 min
